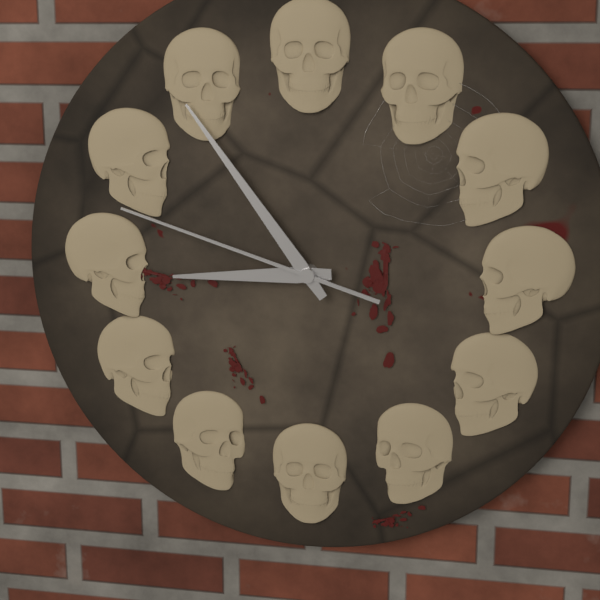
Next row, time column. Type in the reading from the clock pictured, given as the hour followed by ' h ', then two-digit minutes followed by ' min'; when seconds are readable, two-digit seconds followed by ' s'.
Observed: 8 h 54 min 48 s
